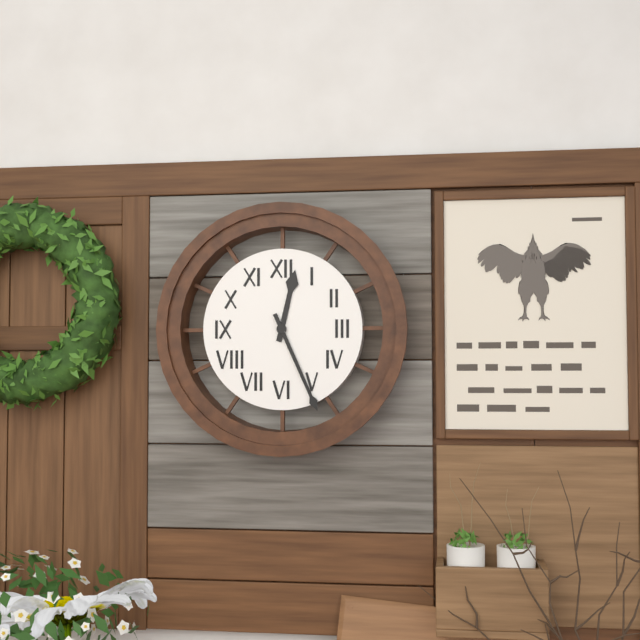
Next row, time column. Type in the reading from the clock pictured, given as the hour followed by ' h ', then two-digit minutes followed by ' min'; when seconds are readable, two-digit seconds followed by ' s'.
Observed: 12 h 26 min
